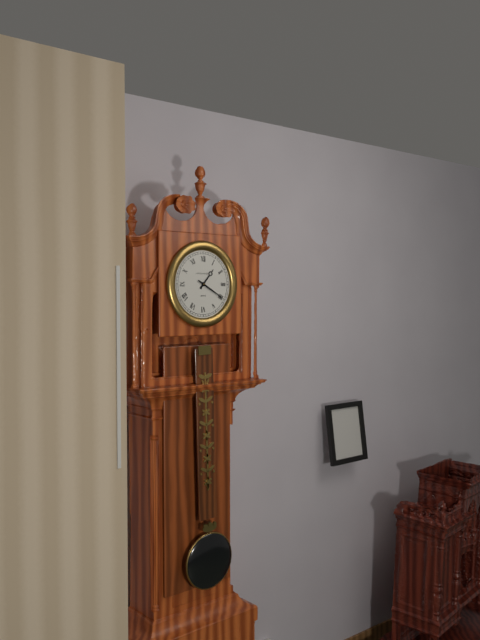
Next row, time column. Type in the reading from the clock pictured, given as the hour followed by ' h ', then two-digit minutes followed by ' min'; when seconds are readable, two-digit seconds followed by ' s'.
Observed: 1 h 20 min
